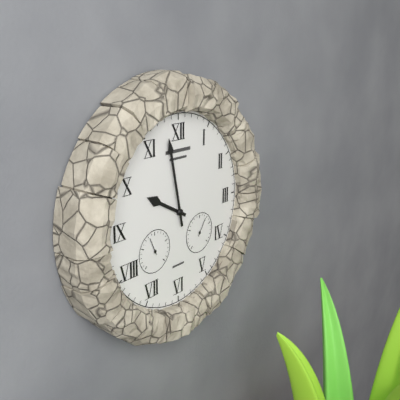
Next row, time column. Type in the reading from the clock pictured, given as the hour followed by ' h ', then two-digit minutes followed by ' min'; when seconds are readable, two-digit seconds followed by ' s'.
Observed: 9 h 58 min
